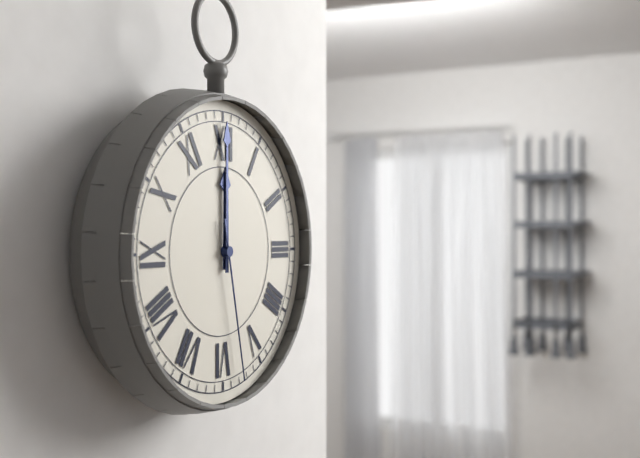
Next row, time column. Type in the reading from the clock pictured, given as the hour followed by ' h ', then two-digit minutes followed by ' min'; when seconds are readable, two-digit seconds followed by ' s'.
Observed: 12 h 00 min 28 s
